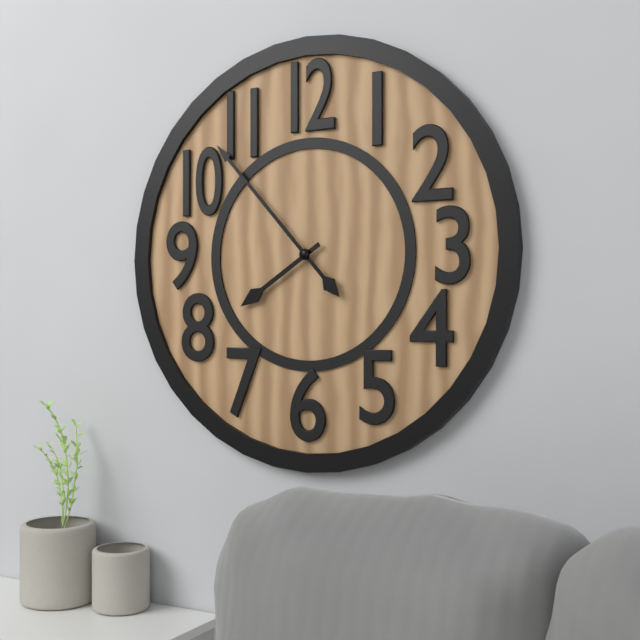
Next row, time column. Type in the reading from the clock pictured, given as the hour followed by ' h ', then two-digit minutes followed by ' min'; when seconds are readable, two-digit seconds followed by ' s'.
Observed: 7 h 53 min
